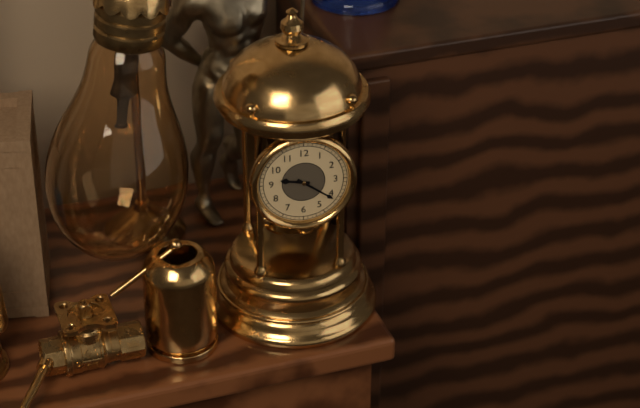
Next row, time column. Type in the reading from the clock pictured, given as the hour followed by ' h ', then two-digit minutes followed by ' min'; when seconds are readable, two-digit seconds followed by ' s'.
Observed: 9 h 21 min
